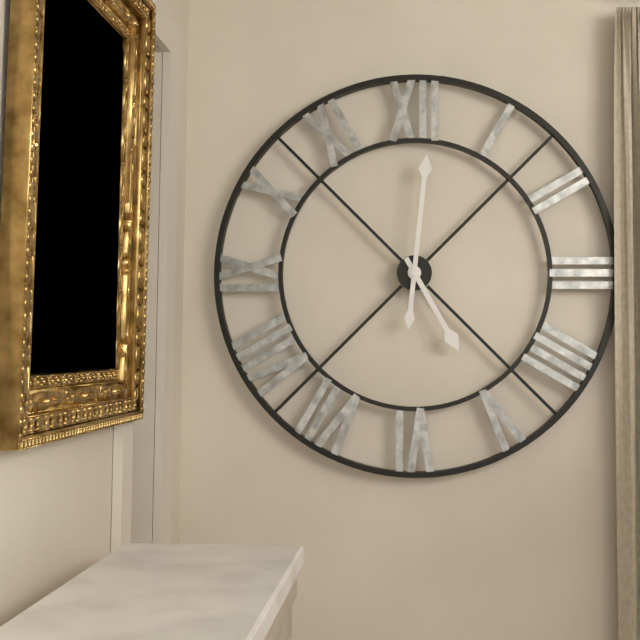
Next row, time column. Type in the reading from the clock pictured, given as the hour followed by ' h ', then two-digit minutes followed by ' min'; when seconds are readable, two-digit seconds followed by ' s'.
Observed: 5 h 01 min
